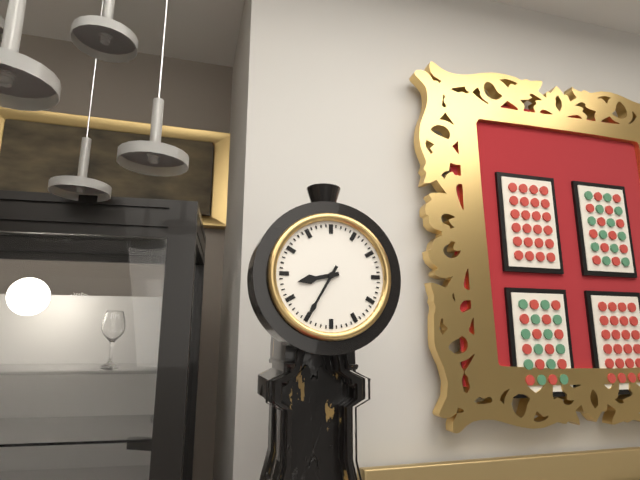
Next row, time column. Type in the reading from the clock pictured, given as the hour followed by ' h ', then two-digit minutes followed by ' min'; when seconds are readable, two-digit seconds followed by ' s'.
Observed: 8 h 35 min
